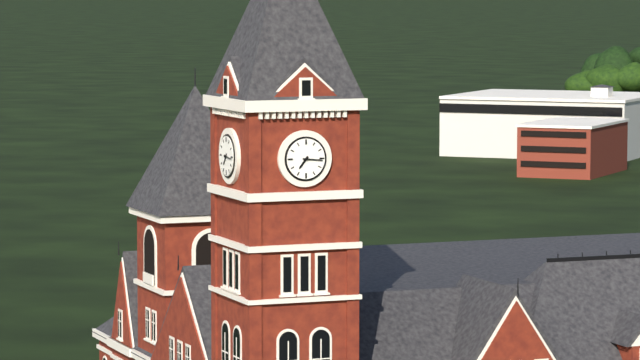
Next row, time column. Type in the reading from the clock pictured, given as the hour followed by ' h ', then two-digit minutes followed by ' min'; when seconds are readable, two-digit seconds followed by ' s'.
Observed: 7 h 16 min
